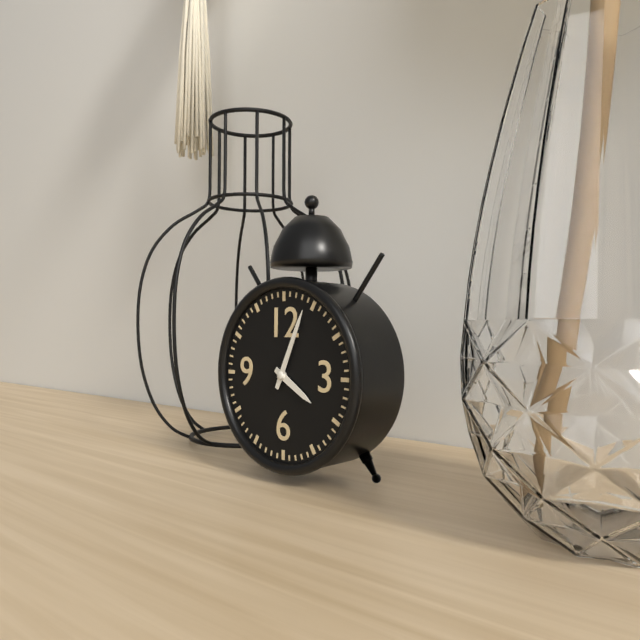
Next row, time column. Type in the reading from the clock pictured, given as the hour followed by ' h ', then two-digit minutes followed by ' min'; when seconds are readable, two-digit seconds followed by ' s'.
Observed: 4 h 04 min
